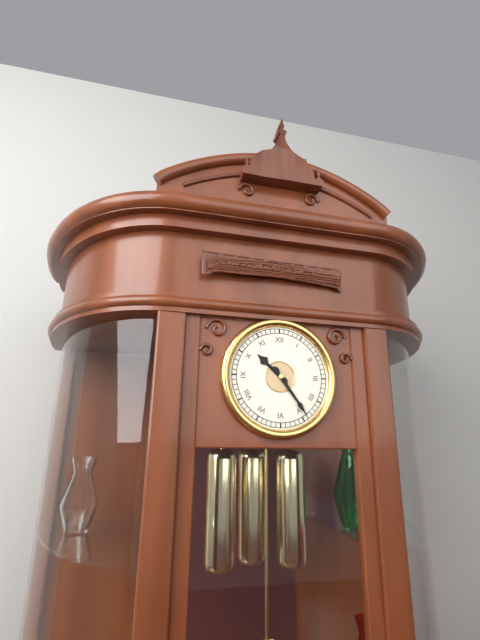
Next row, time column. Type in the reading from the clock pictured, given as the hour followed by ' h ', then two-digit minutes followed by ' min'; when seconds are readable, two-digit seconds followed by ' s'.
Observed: 10 h 24 min
